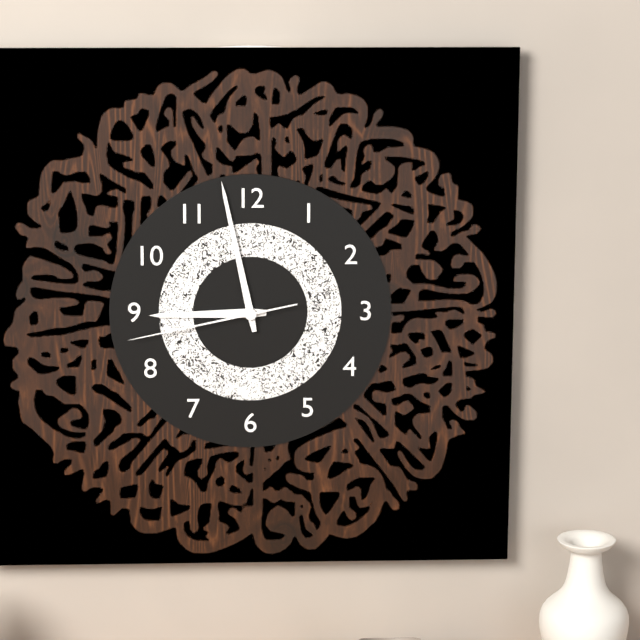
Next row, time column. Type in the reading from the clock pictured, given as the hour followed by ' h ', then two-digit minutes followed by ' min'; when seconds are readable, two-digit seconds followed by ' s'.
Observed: 8 h 58 min 43 s
